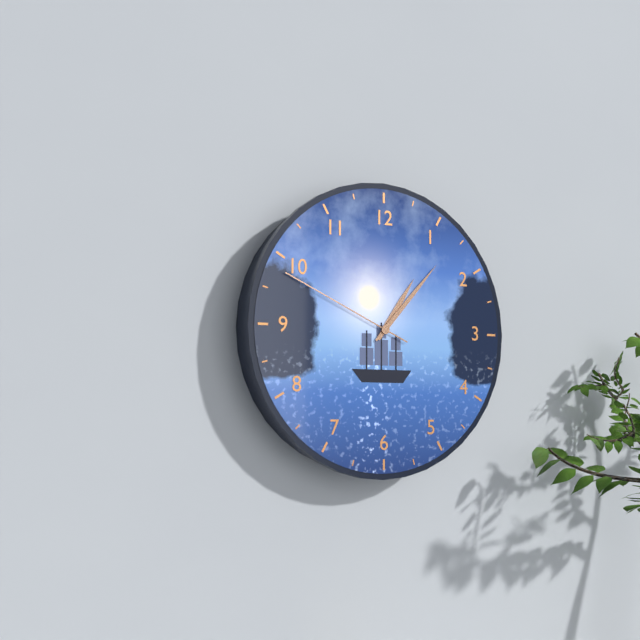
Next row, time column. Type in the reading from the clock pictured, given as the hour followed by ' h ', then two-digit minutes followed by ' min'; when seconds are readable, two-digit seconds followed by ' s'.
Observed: 1 h 07 min 49 s
